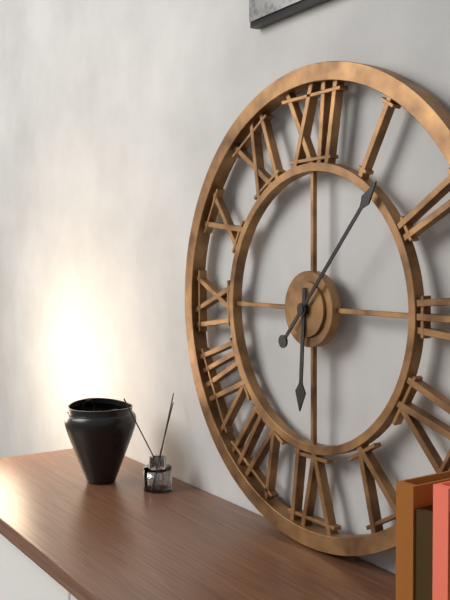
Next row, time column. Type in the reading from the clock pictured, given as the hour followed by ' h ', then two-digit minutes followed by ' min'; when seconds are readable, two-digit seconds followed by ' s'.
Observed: 6 h 07 min
